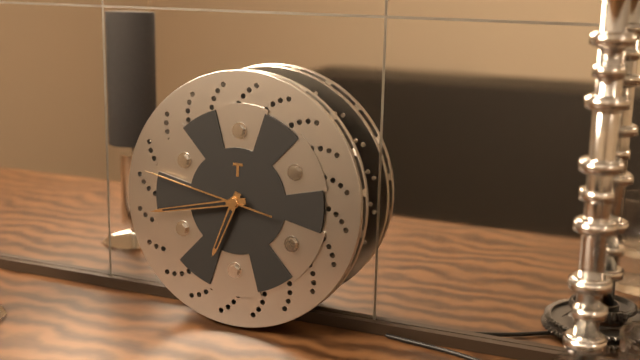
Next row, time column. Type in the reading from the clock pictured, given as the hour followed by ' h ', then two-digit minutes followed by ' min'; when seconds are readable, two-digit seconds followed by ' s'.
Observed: 6 h 43 min 47 s
